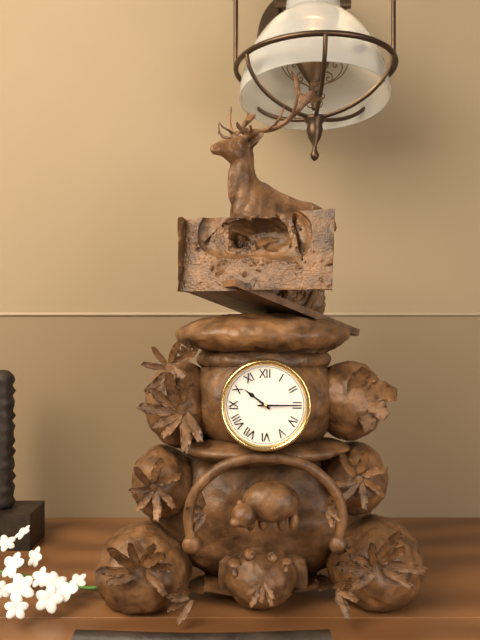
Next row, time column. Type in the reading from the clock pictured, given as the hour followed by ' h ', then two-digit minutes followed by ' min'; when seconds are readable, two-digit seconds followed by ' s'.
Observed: 10 h 15 min
